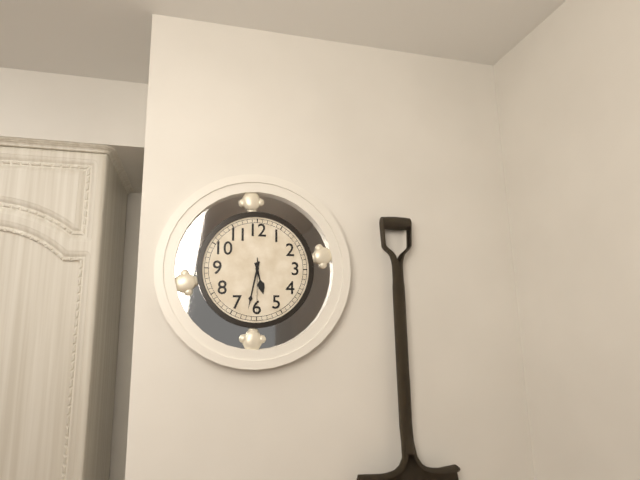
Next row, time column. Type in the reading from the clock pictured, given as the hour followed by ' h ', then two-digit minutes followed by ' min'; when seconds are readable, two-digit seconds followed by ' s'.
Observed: 5 h 32 min 30 s
